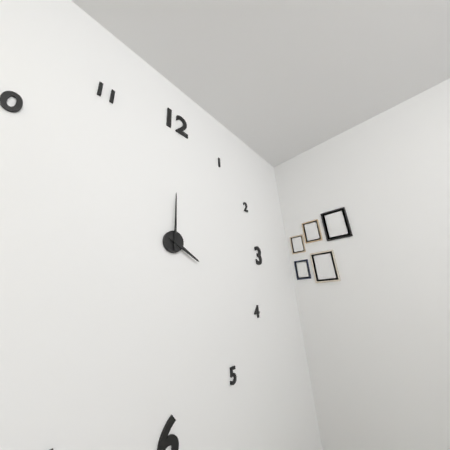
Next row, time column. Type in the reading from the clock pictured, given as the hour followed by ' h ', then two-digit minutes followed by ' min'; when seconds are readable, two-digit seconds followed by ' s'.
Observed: 4 h 00 min
